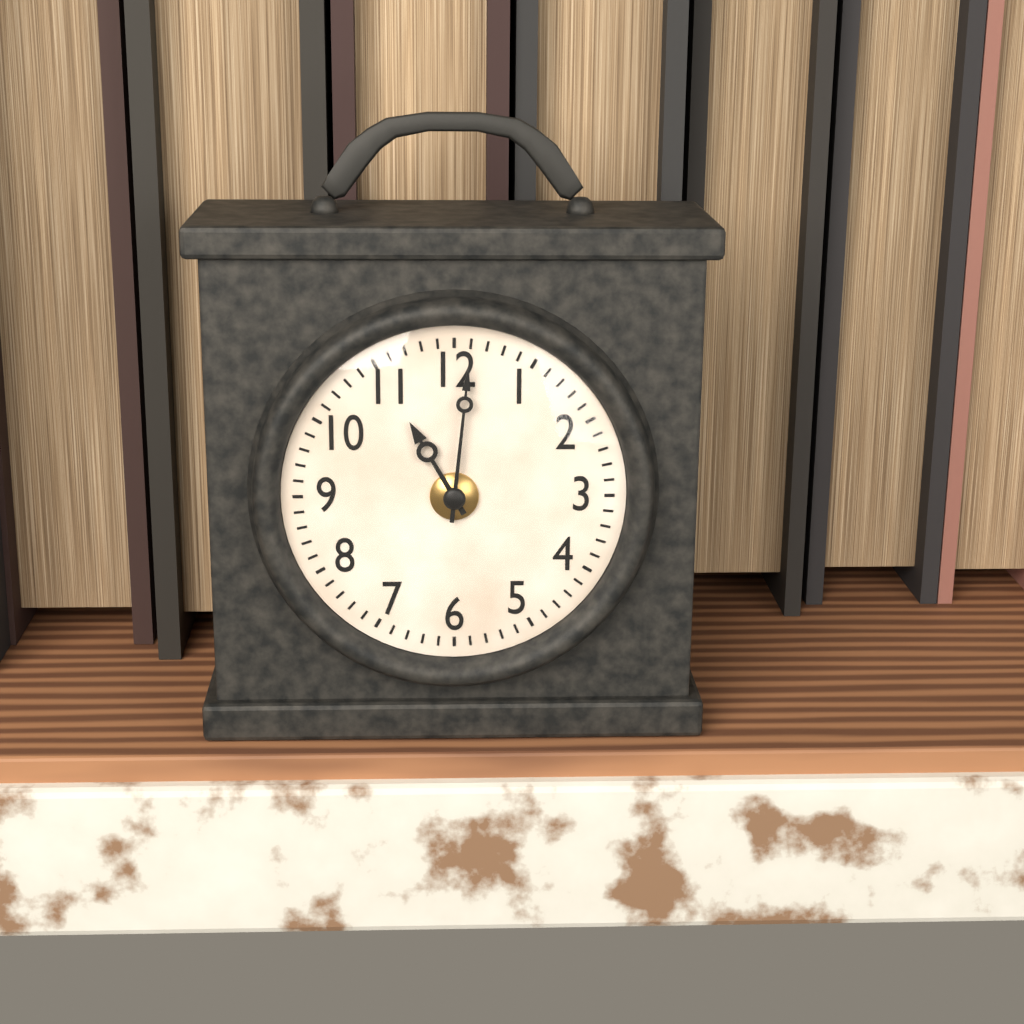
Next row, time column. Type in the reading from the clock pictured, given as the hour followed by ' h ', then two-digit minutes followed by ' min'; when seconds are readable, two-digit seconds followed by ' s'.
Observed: 11 h 01 min
